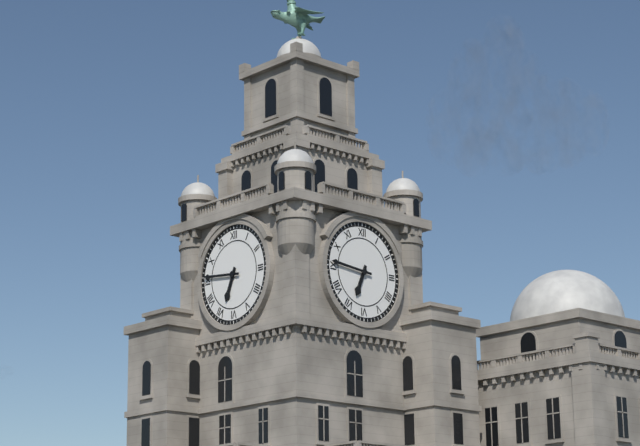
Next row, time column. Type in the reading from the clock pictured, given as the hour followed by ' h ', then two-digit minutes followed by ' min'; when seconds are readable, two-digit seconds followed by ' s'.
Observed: 6 h 46 min
